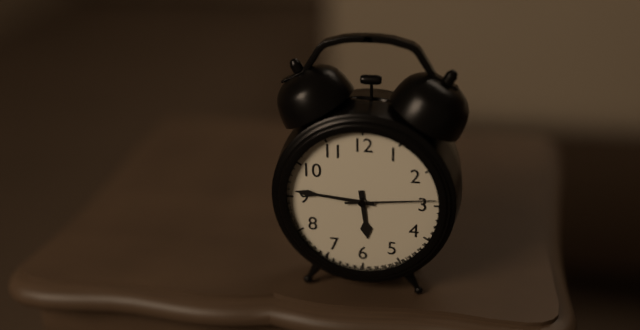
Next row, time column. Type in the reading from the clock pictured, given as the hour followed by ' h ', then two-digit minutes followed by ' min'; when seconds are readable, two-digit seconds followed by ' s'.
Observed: 5 h 46 min 14 s
